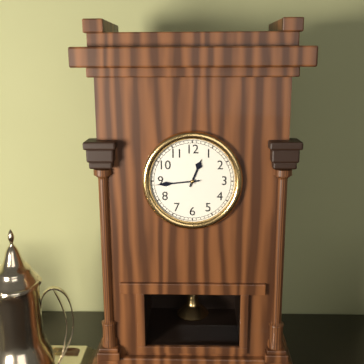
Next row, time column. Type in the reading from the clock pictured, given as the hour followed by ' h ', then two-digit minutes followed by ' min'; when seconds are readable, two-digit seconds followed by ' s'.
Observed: 12 h 44 min
